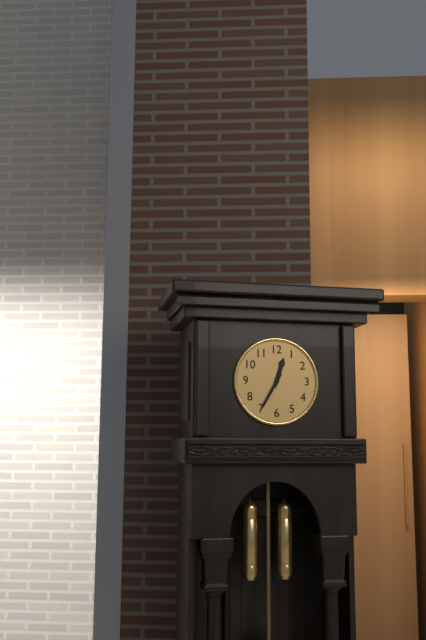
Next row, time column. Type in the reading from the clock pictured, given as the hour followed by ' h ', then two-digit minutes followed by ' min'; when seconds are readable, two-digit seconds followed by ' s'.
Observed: 12 h 35 min
